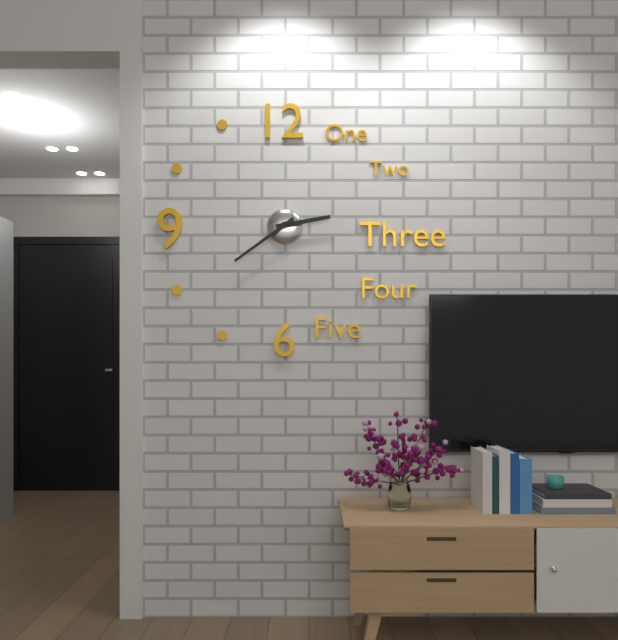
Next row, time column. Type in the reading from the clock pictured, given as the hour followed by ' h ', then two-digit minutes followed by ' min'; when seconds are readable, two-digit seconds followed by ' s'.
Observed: 2 h 39 min
